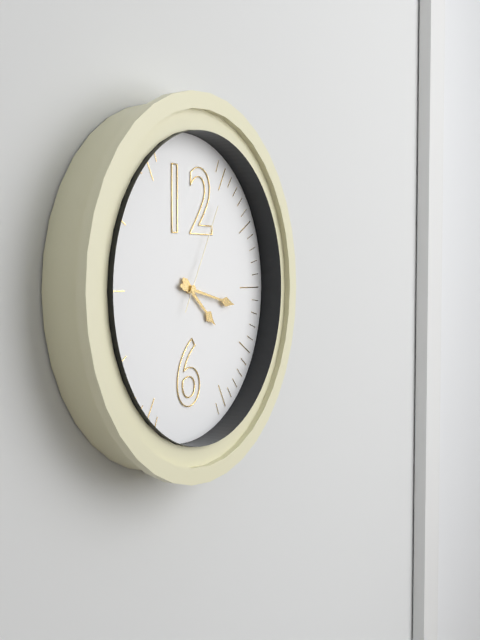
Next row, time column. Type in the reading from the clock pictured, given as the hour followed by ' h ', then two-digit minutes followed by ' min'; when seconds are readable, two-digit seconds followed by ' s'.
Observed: 4 h 17 min 05 s
